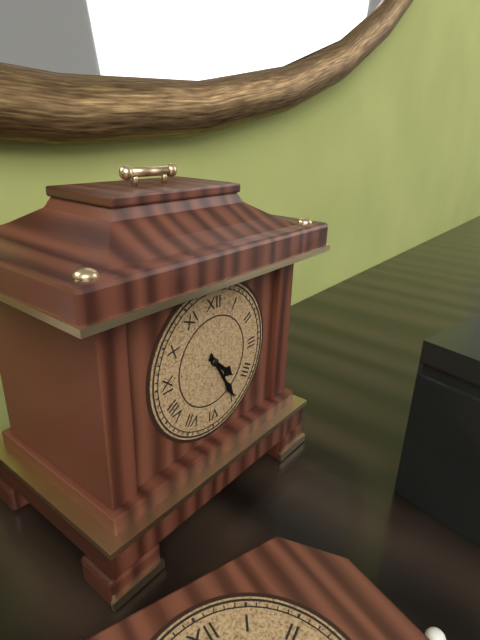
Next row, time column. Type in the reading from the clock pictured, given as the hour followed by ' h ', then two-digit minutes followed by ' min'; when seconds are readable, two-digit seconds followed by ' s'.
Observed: 4 h 25 min
